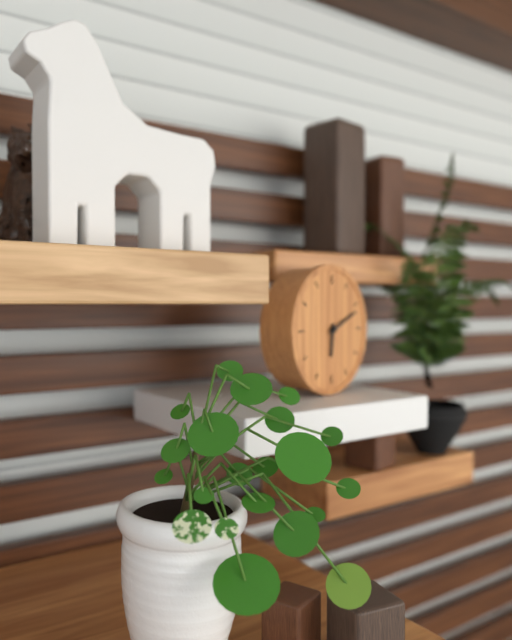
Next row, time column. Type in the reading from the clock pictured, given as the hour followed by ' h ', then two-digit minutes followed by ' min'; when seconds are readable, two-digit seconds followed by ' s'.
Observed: 6 h 11 min
